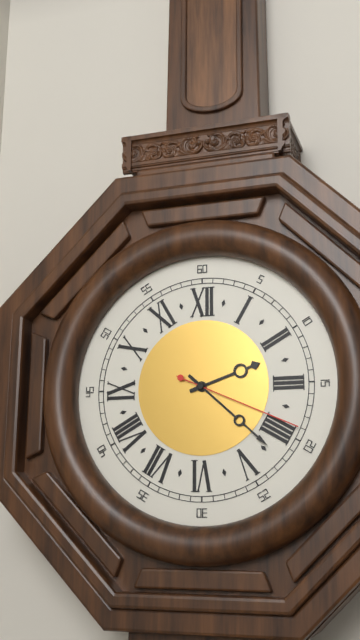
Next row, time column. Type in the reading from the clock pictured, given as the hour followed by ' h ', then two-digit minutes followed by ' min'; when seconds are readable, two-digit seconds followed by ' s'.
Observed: 2 h 22 min 19 s
